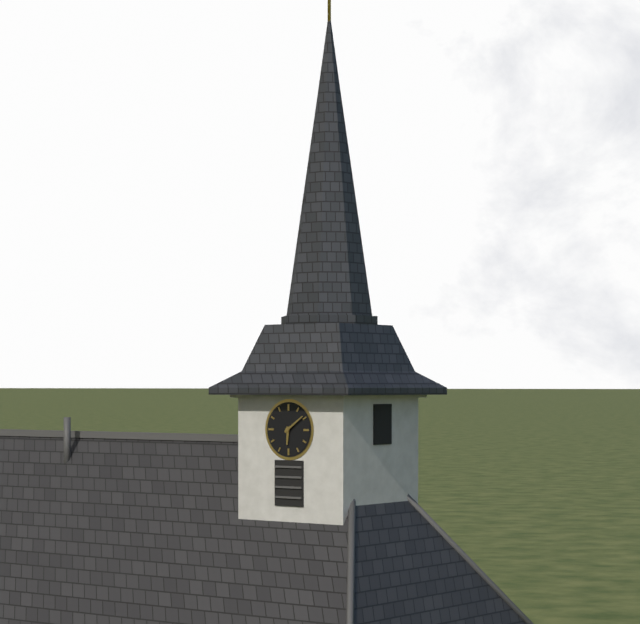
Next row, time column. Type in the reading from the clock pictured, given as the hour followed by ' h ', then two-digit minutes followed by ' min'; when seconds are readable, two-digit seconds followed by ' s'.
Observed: 6 h 09 min
